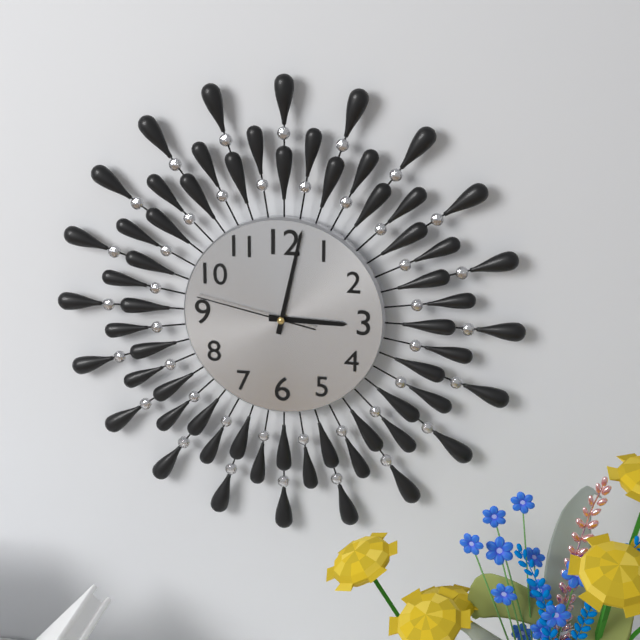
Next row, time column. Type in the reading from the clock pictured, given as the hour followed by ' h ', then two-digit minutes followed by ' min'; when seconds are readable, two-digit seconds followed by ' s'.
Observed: 3 h 02 min 47 s
